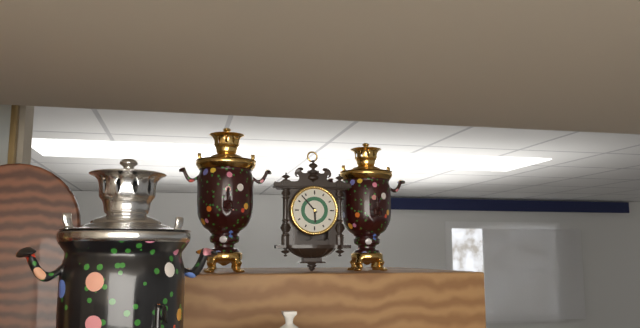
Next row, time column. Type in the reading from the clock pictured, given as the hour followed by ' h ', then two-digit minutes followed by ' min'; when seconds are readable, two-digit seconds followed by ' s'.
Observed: 5 h 53 min
